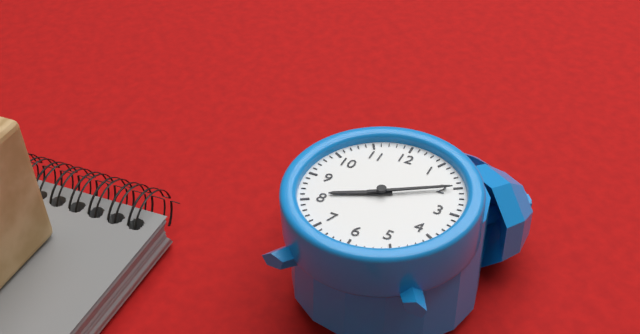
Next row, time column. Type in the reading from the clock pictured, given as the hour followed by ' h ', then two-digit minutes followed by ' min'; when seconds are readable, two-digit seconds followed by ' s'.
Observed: 8 h 10 min
